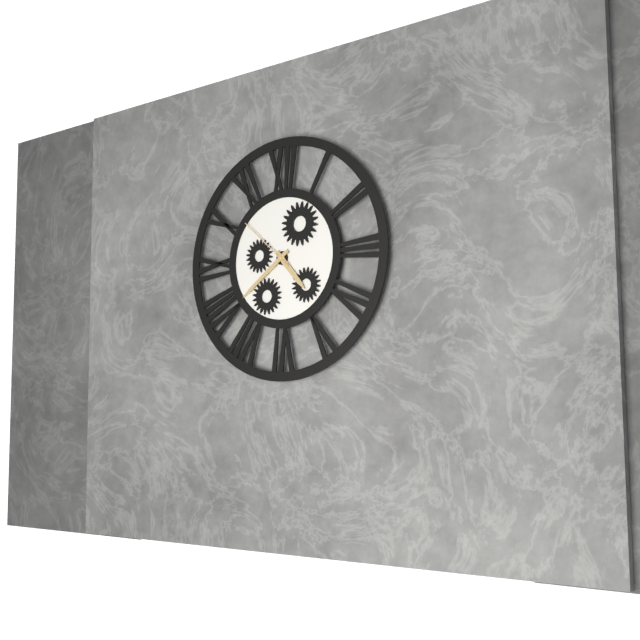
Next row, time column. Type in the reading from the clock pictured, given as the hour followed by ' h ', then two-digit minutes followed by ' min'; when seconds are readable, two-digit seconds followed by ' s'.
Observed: 4 h 39 min 52 s
